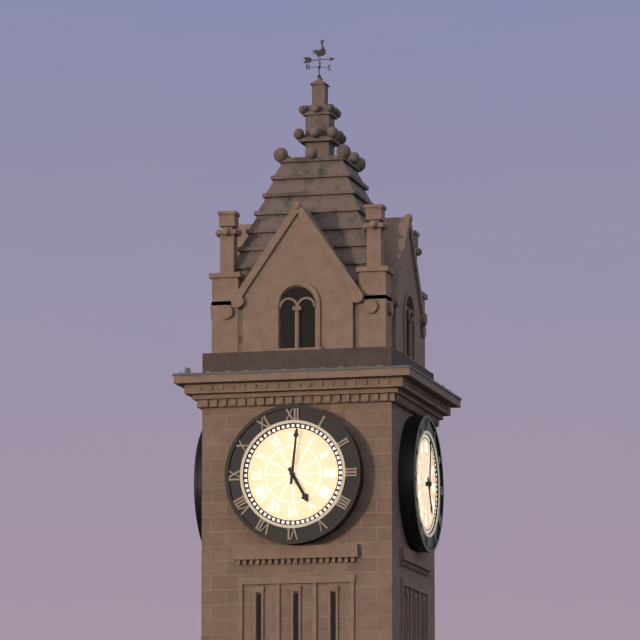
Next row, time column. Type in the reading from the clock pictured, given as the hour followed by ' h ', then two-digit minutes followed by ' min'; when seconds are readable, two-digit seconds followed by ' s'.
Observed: 5 h 01 min
